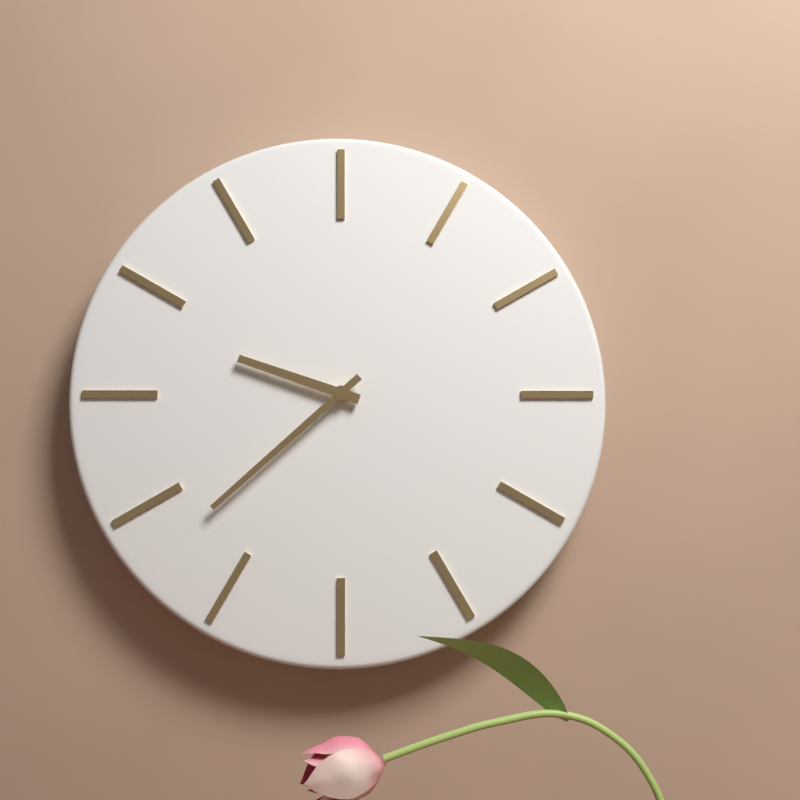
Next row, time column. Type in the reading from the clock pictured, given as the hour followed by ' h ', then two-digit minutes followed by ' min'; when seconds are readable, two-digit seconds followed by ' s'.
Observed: 9 h 38 min
